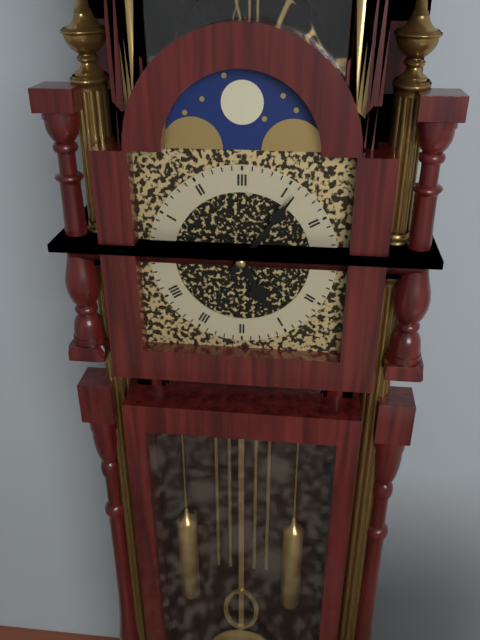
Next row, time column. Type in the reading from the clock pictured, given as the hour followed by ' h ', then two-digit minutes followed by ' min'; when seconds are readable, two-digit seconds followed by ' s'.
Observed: 5 h 06 min
